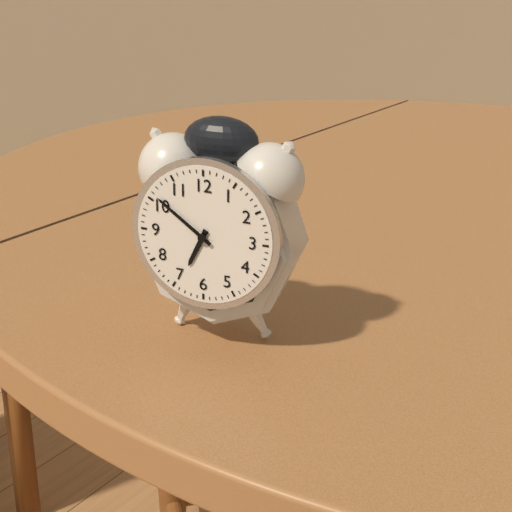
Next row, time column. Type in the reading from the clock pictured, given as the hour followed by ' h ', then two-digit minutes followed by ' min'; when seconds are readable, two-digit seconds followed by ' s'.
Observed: 6 h 51 min
